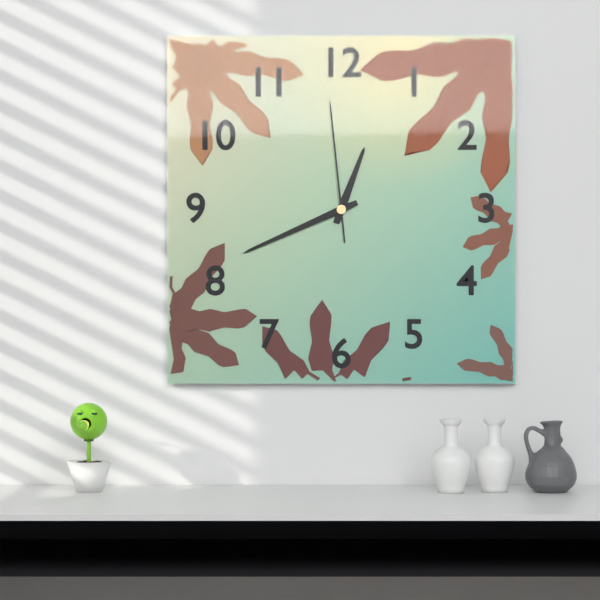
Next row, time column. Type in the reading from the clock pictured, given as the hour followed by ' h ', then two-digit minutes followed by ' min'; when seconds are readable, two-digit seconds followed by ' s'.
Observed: 12 h 41 min 59 s
